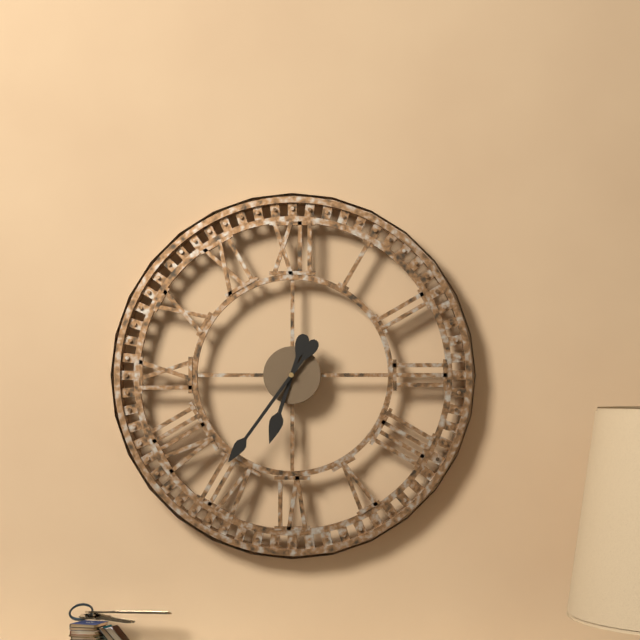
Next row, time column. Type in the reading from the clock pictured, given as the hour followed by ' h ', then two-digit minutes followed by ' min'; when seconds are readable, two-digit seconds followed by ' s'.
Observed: 6 h 36 min
